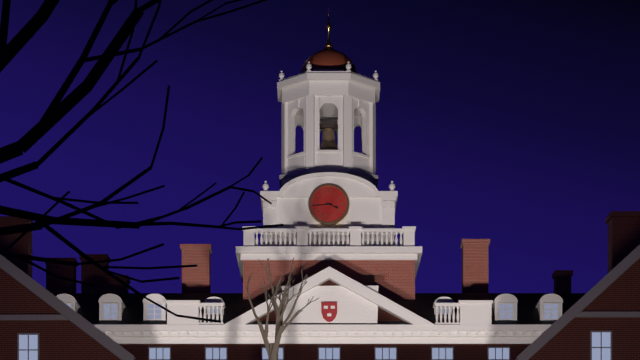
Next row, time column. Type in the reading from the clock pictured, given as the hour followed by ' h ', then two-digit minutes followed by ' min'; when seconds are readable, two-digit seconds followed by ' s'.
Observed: 3 h 44 min
